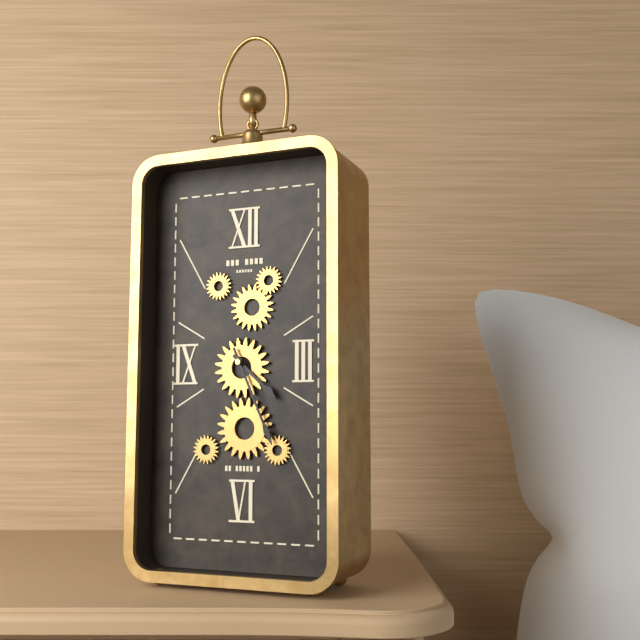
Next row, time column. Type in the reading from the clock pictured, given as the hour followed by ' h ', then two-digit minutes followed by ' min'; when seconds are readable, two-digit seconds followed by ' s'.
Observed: 4 h 26 min
